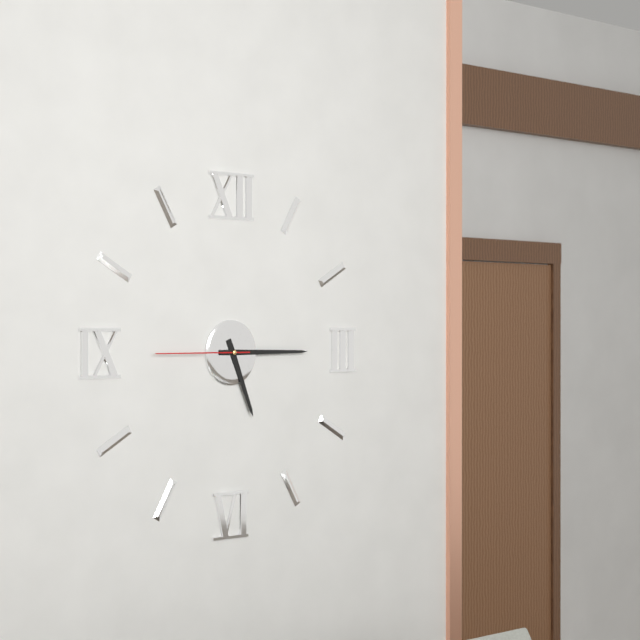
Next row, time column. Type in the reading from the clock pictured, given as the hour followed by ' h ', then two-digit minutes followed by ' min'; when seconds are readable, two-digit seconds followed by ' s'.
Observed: 5 h 15 min 45 s
